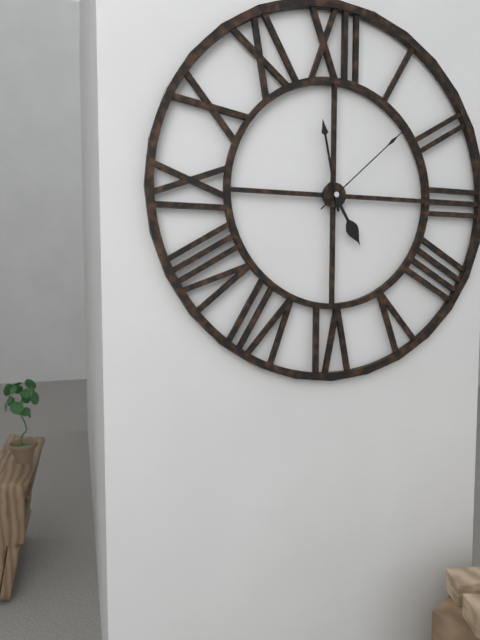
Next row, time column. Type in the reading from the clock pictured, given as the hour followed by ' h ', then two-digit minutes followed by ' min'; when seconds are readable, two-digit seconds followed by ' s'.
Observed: 4 h 58 min 08 s
